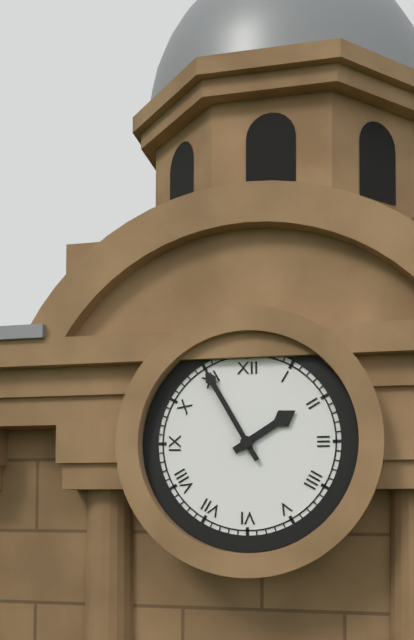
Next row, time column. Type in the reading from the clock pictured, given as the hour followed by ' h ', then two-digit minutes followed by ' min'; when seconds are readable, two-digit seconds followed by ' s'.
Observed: 1 h 55 min
